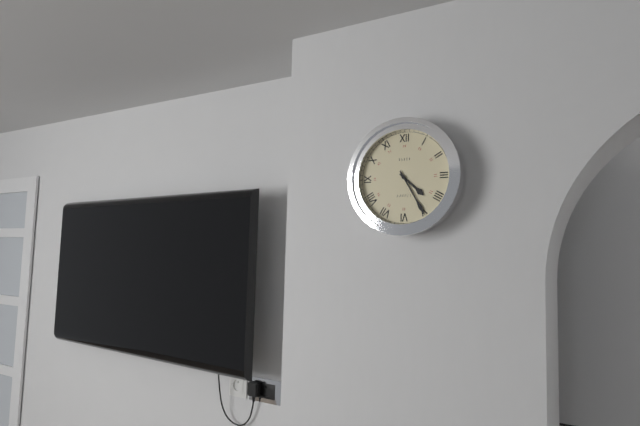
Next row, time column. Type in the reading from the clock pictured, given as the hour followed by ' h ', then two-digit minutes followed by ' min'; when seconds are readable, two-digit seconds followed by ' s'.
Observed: 4 h 25 min
